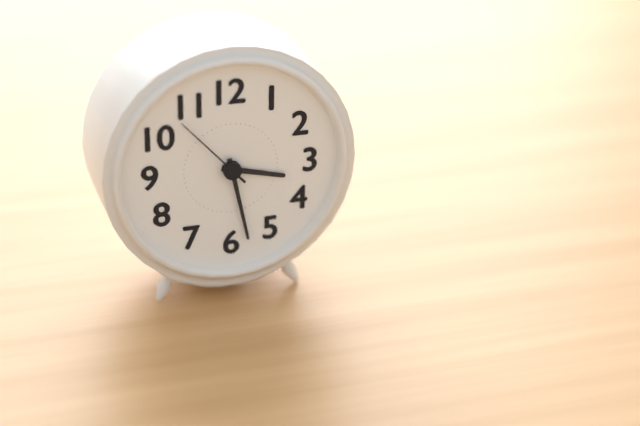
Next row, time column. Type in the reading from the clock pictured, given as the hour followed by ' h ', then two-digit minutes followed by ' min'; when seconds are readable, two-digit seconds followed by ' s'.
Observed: 3 h 28 min 53 s
